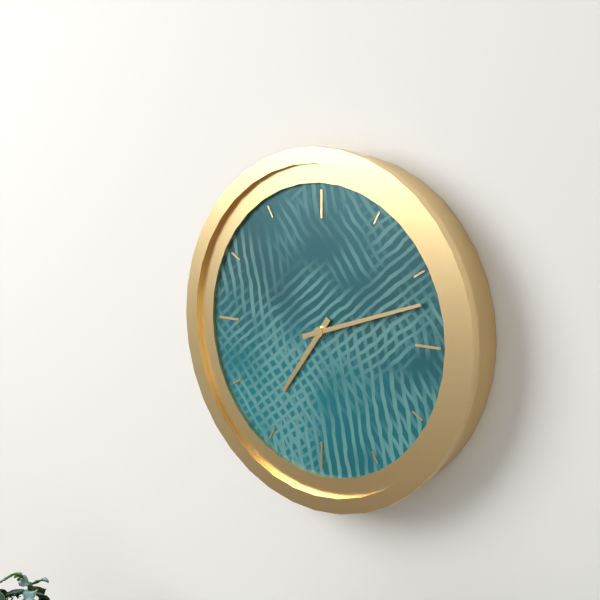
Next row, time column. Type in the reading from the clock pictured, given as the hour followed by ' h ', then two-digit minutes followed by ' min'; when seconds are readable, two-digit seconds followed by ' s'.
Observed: 7 h 12 min
